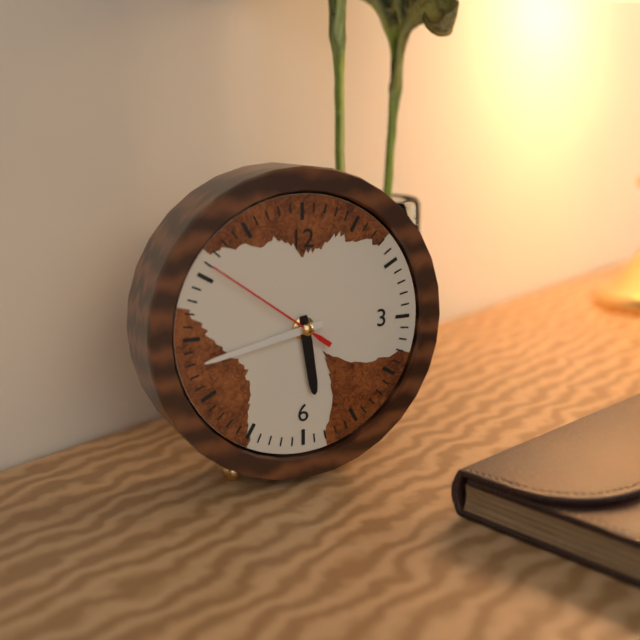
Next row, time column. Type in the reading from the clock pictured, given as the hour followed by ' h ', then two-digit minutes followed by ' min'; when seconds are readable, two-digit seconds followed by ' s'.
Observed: 5 h 43 min 51 s
